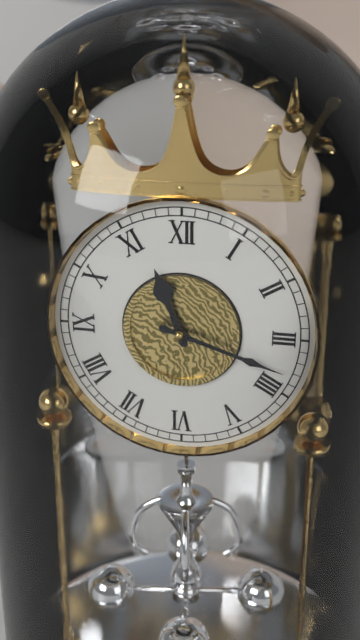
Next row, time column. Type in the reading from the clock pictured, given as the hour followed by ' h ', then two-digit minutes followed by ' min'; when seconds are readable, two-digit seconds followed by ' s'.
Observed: 11 h 18 min
